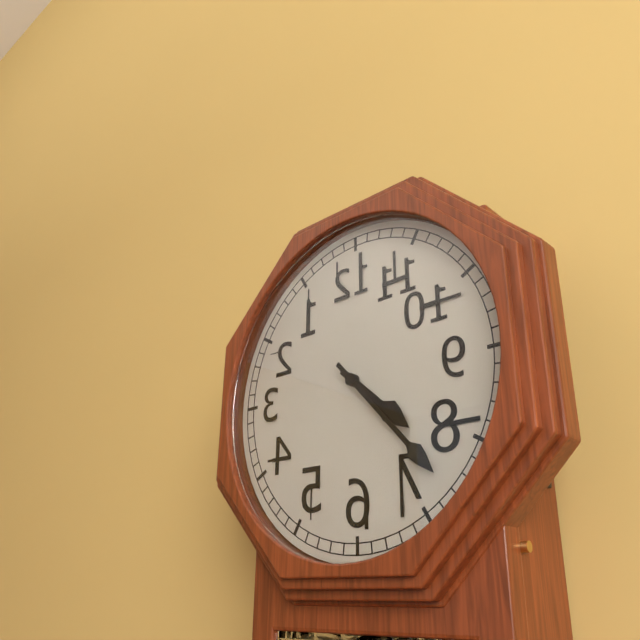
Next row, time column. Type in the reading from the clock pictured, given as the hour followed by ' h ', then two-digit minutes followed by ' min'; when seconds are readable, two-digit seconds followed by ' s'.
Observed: 4 h 23 min
